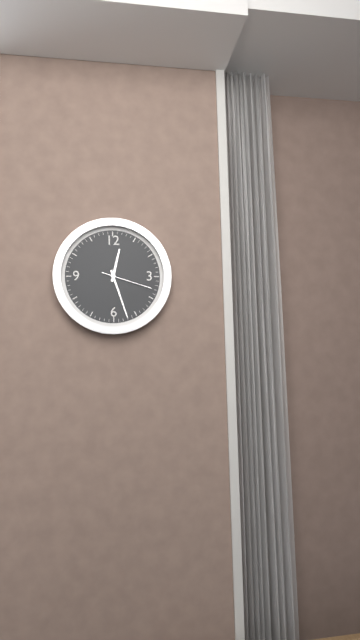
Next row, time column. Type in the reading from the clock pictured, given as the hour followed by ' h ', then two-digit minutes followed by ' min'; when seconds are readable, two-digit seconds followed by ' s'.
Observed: 12 h 27 min 18 s
